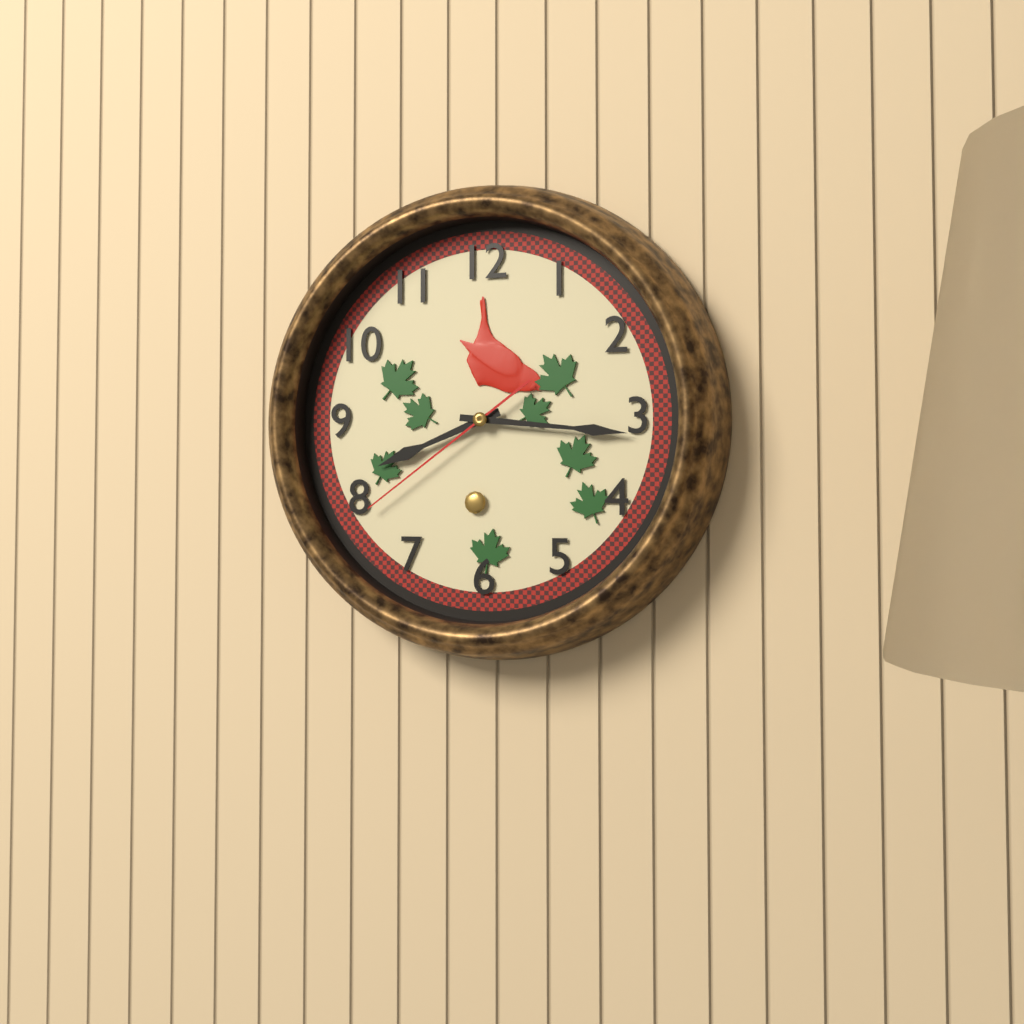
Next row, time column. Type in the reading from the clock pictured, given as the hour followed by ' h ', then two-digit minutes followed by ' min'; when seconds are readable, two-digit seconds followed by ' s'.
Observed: 8 h 16 min 39 s
